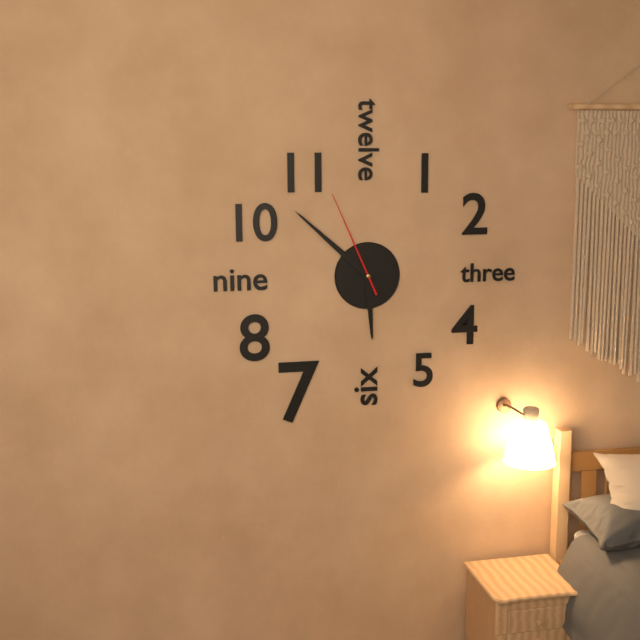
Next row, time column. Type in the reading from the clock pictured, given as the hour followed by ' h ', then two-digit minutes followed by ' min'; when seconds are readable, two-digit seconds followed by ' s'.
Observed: 5 h 52 min 56 s
